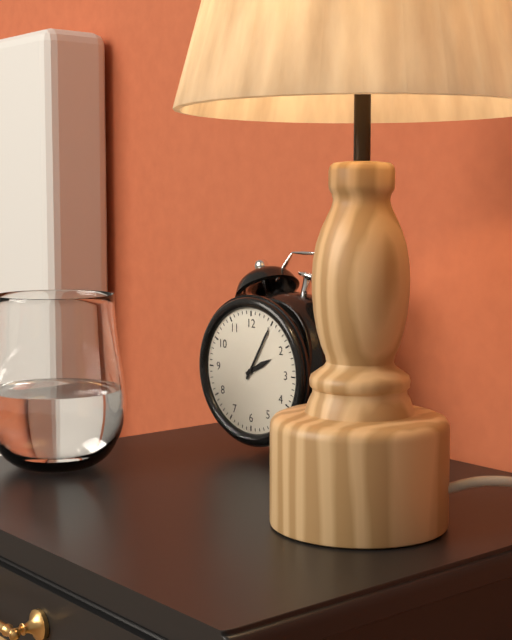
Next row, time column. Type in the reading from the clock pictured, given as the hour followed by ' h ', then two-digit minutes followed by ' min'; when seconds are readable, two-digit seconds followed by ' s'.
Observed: 2 h 05 min
